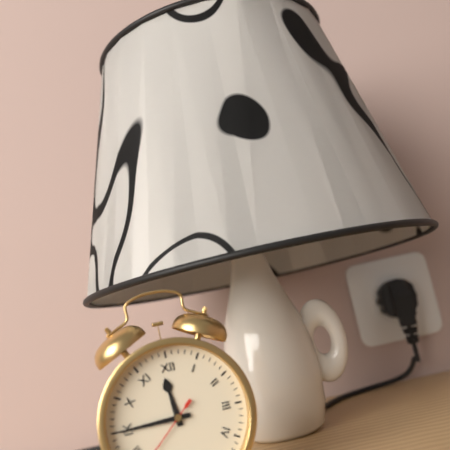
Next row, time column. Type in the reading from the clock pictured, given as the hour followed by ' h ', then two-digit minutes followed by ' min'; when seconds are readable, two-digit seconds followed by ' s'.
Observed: 11 h 45 min
